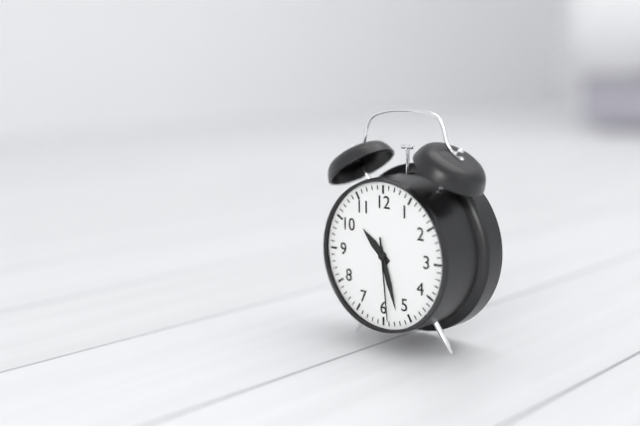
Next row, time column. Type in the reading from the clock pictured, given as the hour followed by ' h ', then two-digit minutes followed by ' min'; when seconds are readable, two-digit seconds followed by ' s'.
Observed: 10 h 27 min 29 s
